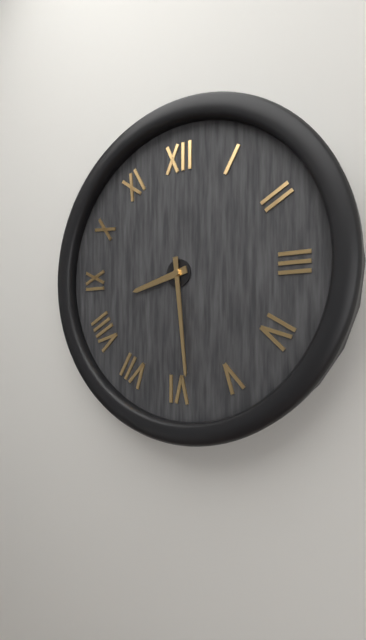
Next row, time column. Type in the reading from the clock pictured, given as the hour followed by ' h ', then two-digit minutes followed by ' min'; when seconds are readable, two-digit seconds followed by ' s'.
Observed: 8 h 29 min
